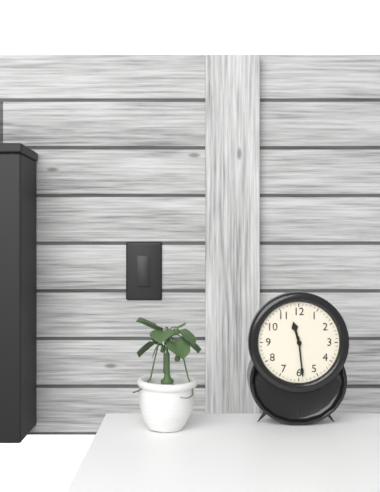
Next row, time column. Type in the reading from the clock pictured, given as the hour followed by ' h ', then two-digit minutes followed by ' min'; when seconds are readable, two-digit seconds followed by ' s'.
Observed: 11 h 29 min
